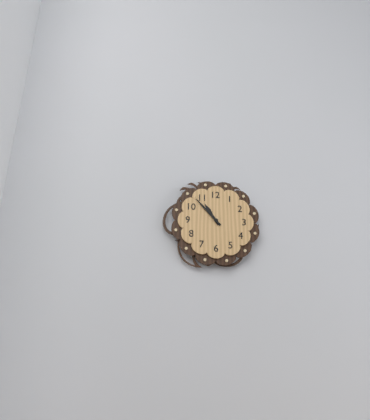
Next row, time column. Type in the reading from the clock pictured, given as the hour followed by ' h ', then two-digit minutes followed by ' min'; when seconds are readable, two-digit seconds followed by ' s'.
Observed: 10 h 53 min
